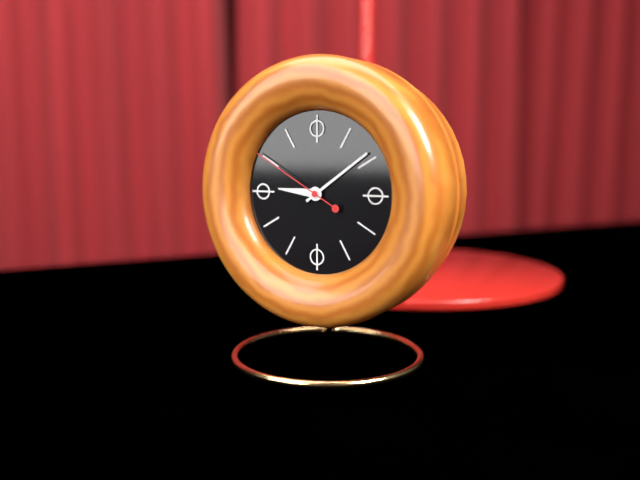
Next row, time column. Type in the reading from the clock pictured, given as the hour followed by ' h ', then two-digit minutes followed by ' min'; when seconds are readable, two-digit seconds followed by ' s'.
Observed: 9 h 09 min 50 s
